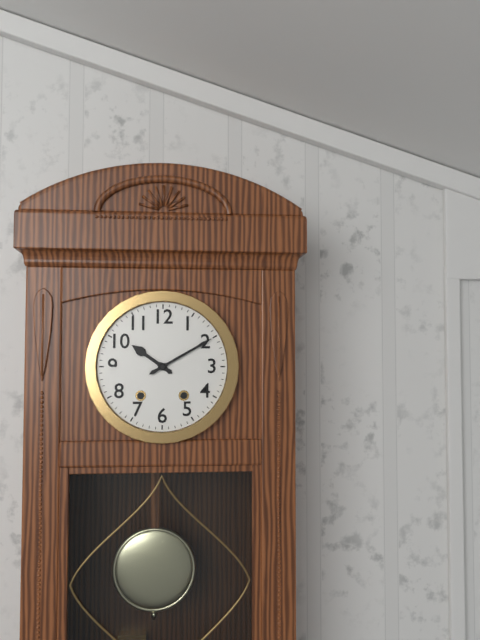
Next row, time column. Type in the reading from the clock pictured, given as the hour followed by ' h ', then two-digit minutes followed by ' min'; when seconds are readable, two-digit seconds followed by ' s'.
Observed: 10 h 10 min
